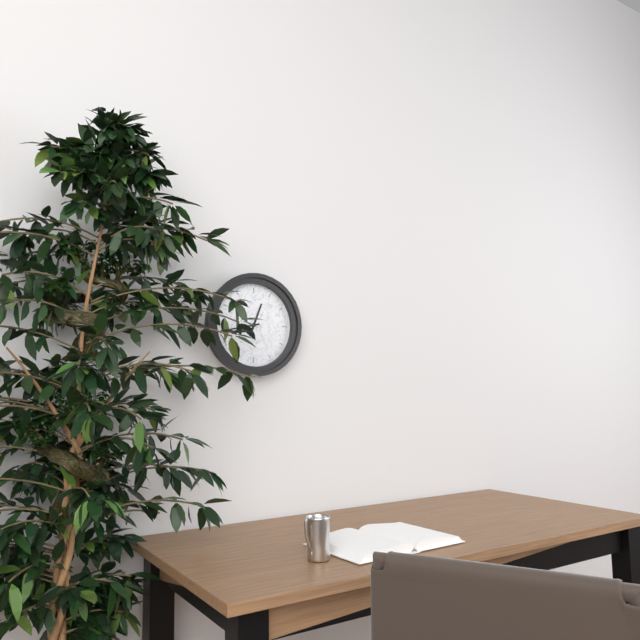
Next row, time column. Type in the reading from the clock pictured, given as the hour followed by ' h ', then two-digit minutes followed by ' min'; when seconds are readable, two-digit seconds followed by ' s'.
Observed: 12 h 43 min
